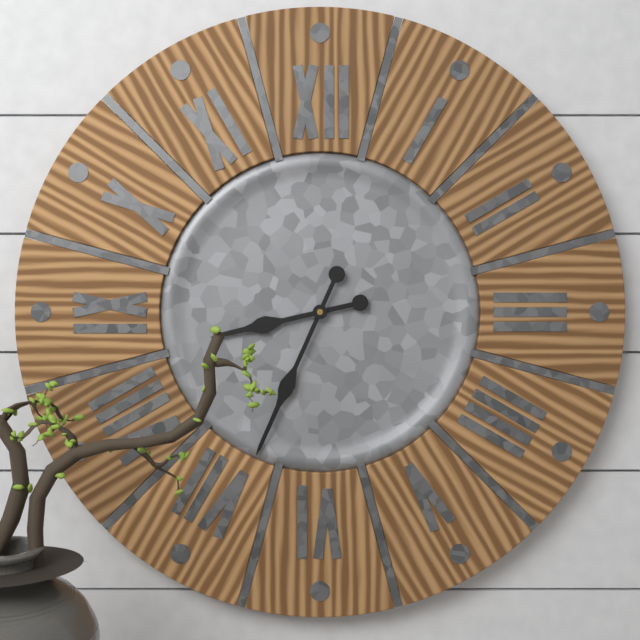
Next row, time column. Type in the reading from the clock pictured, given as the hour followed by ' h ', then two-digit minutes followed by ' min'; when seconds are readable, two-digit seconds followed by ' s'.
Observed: 8 h 34 min
